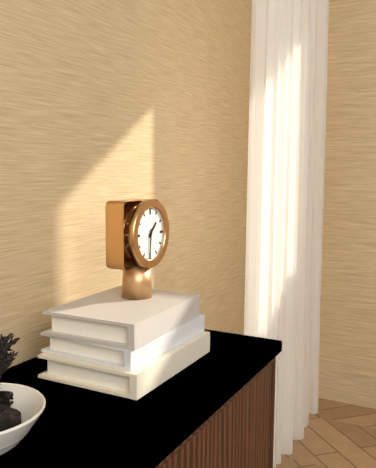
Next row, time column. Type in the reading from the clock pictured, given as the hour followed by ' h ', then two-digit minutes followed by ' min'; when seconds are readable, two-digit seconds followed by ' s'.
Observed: 1 h 31 min
